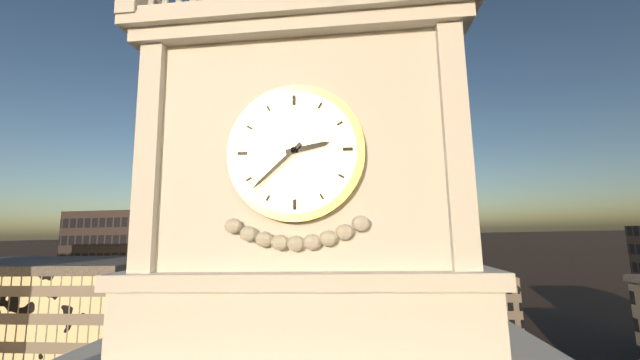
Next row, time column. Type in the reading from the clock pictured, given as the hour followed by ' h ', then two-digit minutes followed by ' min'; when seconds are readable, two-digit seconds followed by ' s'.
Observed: 2 h 38 min
